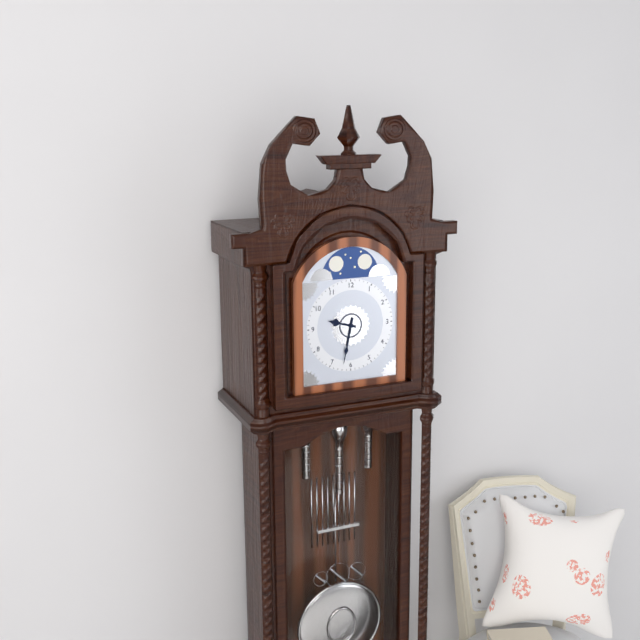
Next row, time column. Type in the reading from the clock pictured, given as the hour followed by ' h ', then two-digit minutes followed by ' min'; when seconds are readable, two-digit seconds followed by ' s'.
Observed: 9 h 32 min
